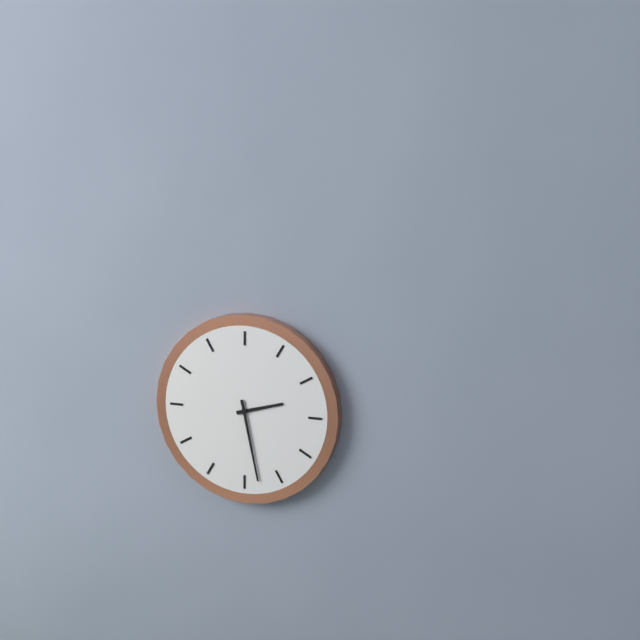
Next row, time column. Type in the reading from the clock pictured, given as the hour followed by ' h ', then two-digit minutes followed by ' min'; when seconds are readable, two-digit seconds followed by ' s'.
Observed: 2 h 28 min
